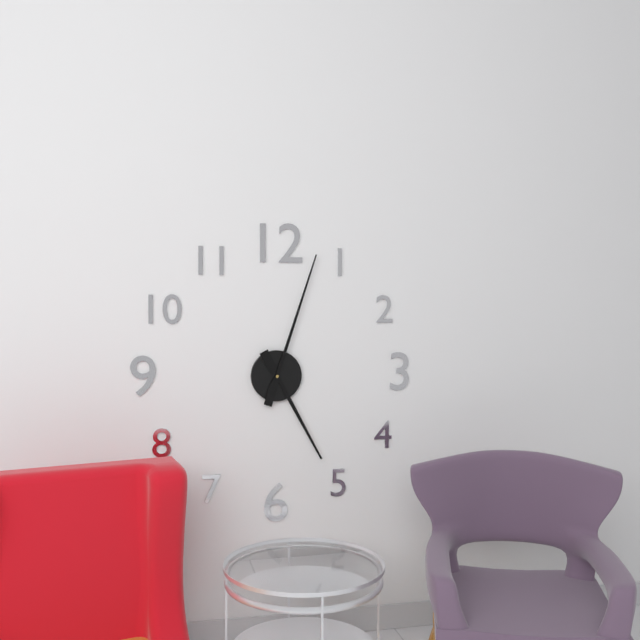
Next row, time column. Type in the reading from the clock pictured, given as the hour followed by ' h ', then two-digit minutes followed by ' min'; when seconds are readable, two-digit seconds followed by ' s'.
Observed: 5 h 03 min
